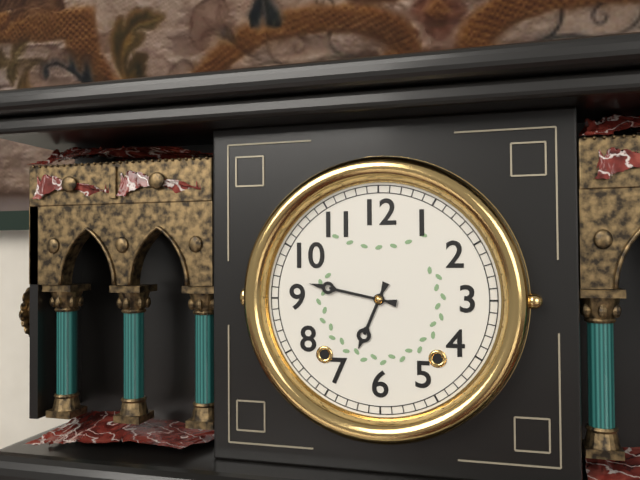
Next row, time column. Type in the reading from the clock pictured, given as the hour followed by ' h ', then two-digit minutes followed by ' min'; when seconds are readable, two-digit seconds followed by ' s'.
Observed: 6 h 47 min
